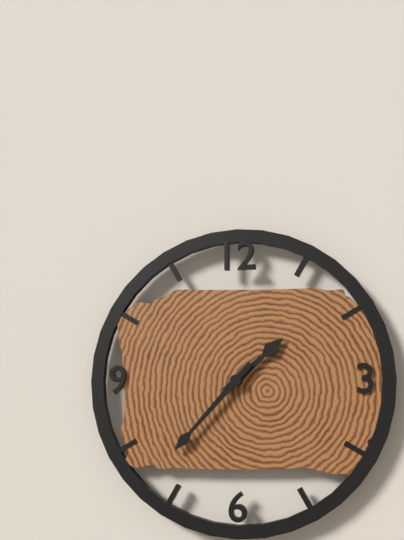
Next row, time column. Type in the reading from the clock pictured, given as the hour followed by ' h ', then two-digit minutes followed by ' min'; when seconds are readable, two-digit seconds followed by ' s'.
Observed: 1 h 37 min
